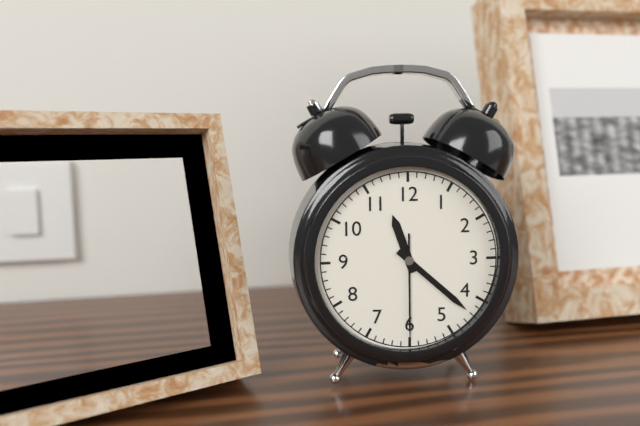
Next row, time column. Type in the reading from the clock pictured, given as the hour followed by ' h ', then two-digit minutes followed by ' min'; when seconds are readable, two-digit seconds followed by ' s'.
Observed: 11 h 22 min 30 s
